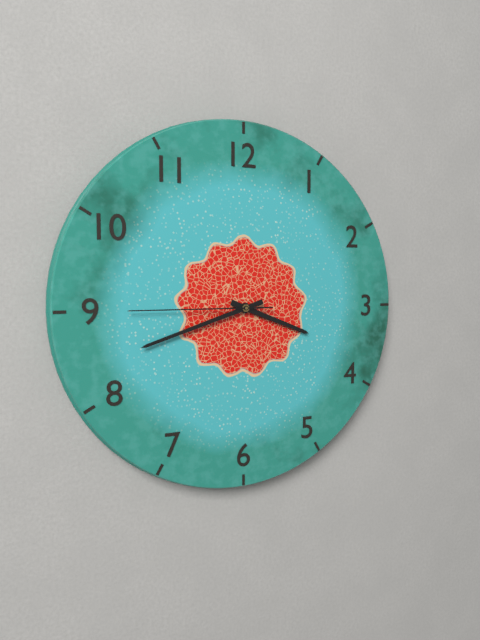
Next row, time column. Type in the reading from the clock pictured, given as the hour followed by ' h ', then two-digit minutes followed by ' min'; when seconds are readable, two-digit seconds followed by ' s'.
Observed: 3 h 42 min 45 s
